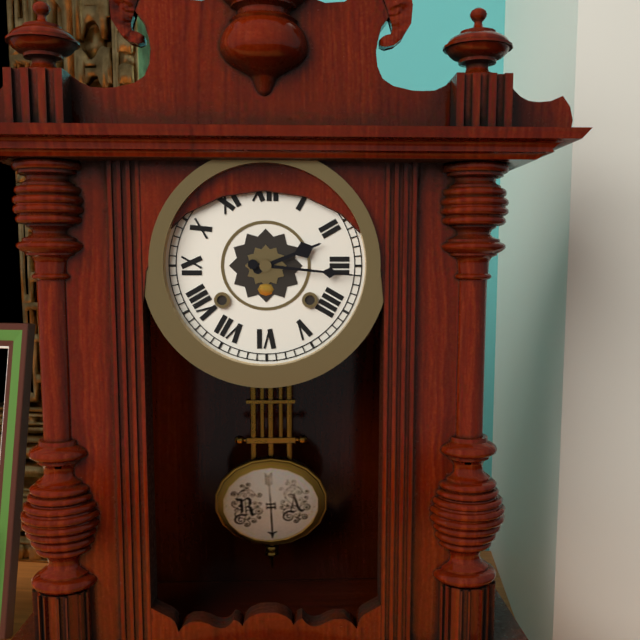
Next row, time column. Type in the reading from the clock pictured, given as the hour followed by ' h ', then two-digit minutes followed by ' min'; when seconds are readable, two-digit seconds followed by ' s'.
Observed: 2 h 16 min
